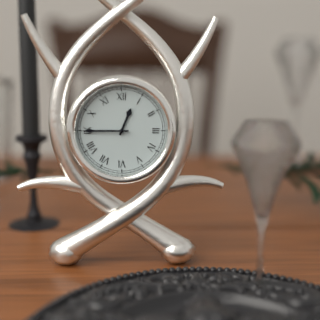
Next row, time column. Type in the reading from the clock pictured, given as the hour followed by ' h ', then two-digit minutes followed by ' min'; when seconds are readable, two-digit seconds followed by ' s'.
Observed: 12 h 45 min
